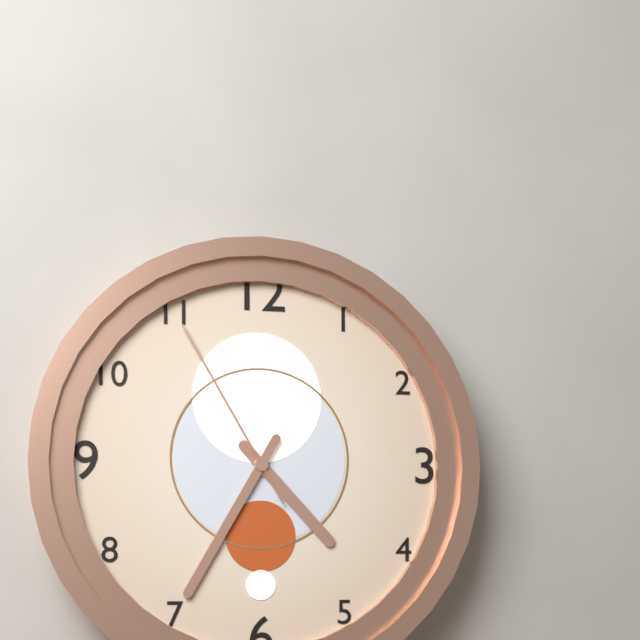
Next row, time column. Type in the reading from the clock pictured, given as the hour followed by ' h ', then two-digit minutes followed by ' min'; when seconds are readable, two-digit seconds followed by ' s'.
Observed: 4 h 35 min 55 s
